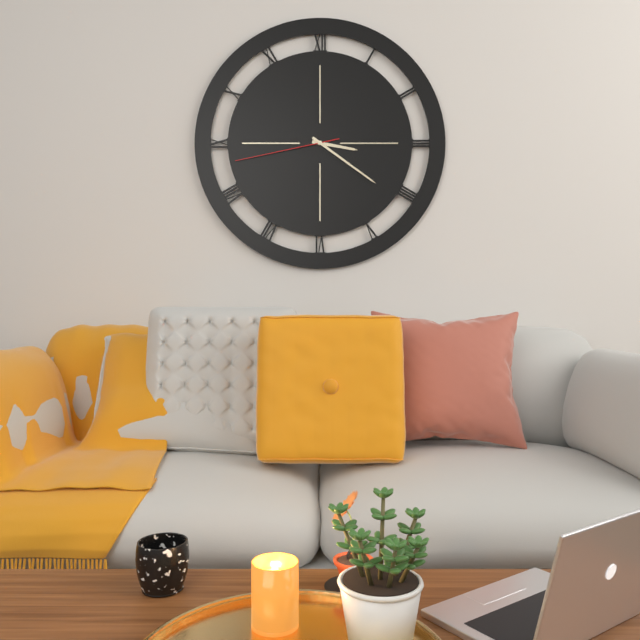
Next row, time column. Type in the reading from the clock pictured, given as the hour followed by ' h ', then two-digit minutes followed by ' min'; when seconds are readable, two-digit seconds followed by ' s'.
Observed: 3 h 21 min 43 s
